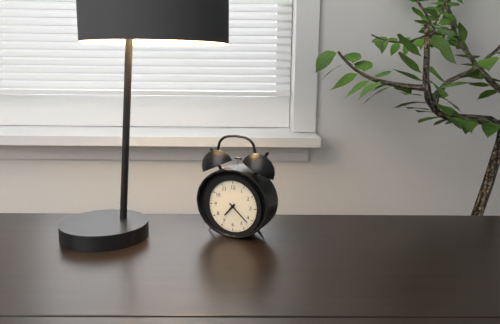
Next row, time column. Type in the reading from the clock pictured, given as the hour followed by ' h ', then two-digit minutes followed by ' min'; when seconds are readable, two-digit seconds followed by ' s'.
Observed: 7 h 22 min
